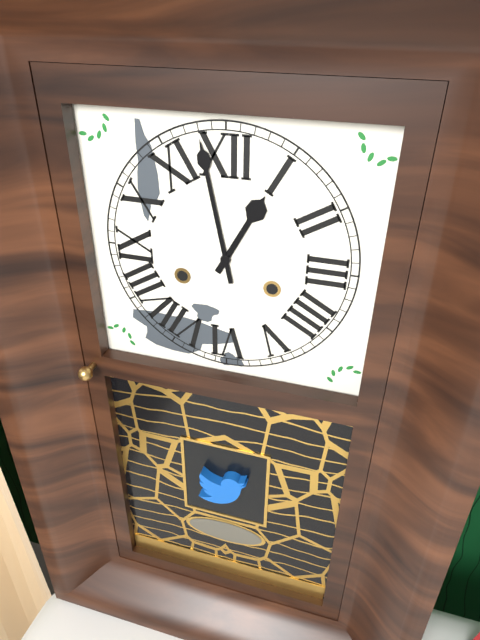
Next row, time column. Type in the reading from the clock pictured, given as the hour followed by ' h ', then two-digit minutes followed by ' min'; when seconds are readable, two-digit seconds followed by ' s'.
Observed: 12 h 58 min
